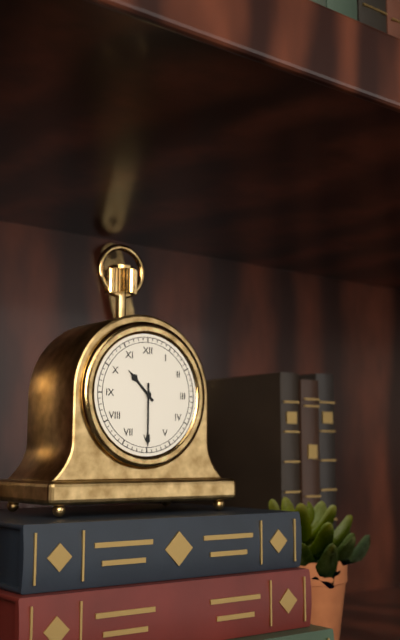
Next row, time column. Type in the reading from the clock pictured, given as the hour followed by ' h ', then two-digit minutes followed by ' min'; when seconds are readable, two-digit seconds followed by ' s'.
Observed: 10 h 30 min
